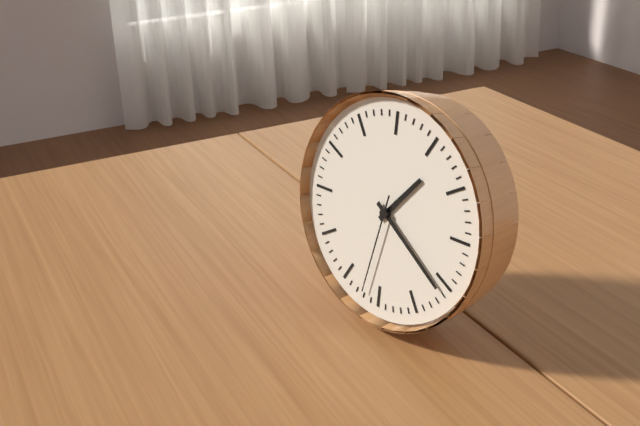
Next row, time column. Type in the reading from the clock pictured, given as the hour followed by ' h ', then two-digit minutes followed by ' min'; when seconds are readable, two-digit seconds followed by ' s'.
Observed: 1 h 21 min 32 s
